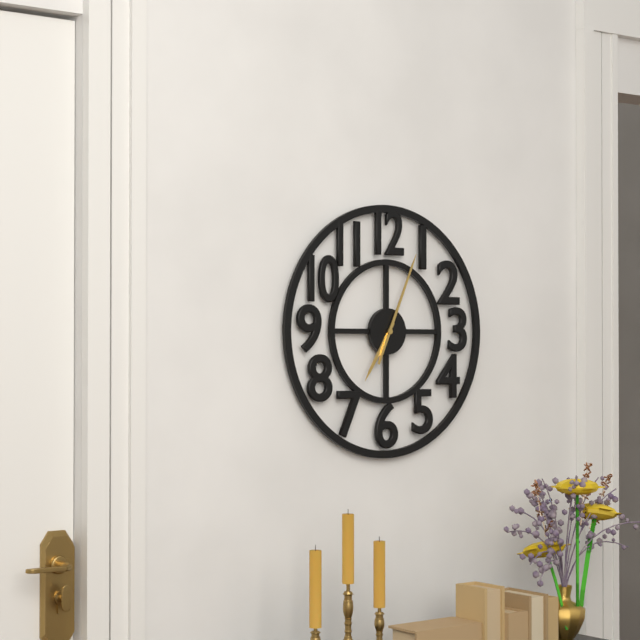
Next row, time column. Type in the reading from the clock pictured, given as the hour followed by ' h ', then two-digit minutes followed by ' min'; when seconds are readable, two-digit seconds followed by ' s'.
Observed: 7 h 04 min
